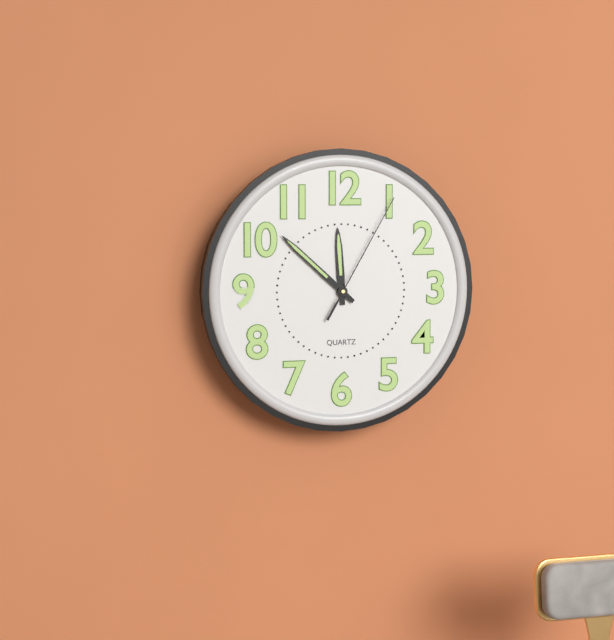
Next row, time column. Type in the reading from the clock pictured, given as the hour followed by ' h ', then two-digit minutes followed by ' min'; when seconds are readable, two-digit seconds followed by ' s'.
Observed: 11 h 52 min 05 s
